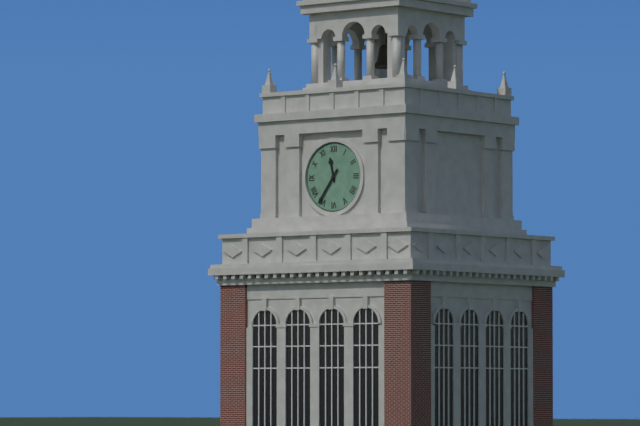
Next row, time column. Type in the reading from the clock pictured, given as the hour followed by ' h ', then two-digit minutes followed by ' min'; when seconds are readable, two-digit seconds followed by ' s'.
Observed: 11 h 36 min
